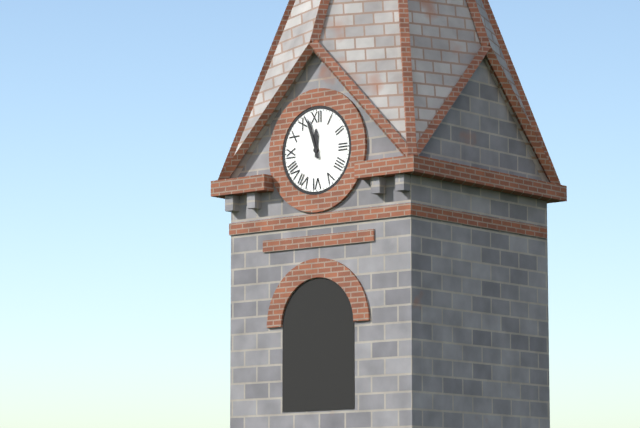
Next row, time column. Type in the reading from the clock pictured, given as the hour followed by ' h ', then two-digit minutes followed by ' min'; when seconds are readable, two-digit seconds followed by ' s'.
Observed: 11 h 57 min
